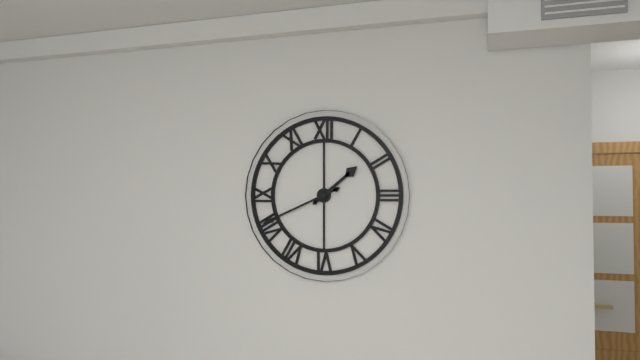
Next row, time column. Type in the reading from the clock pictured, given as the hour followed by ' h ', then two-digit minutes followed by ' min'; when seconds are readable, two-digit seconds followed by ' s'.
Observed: 1 h 41 min
